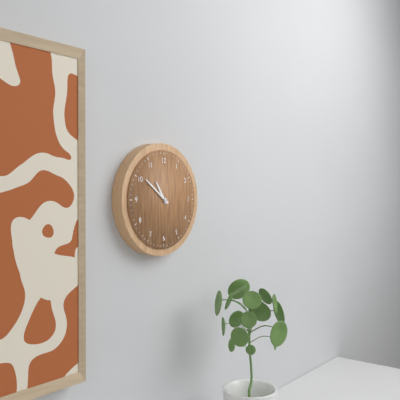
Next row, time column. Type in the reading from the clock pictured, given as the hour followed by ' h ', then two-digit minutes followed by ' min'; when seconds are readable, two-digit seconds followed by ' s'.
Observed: 10 h 51 min
